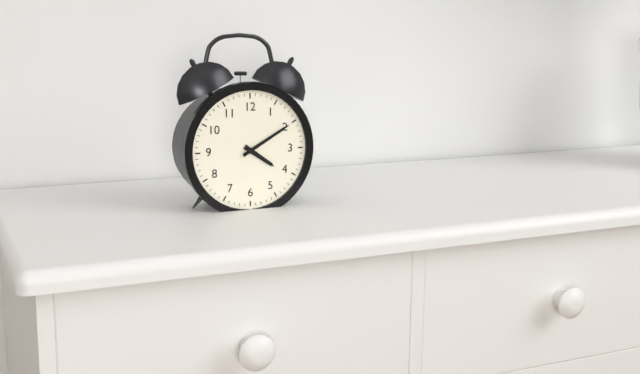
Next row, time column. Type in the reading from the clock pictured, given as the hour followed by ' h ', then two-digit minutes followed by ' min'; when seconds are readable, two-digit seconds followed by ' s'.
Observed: 4 h 10 min
